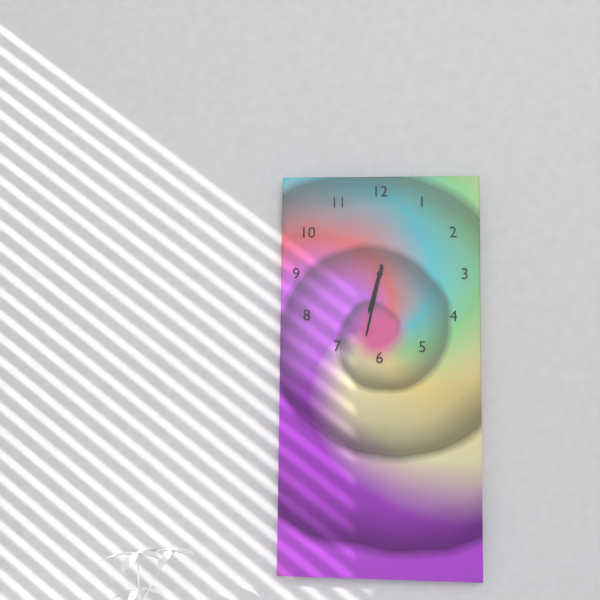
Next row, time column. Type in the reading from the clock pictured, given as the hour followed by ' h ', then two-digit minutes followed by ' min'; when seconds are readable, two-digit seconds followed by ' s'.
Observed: 6 h 32 min
